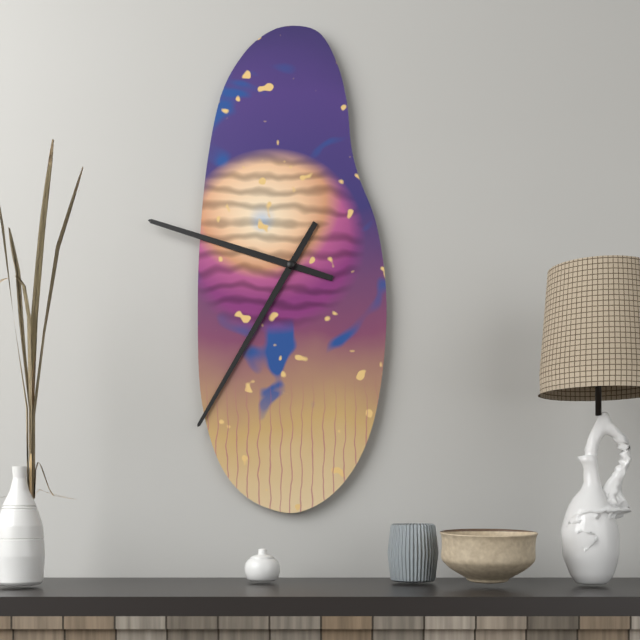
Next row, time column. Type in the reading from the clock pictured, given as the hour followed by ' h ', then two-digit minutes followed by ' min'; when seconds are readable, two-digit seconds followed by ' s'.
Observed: 9 h 35 min
